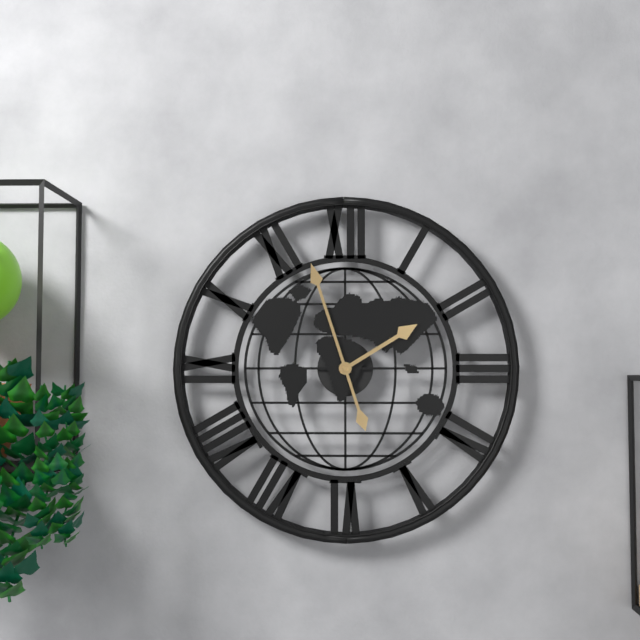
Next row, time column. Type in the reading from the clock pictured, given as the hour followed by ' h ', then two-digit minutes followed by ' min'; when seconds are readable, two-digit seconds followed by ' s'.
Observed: 1 h 57 min
